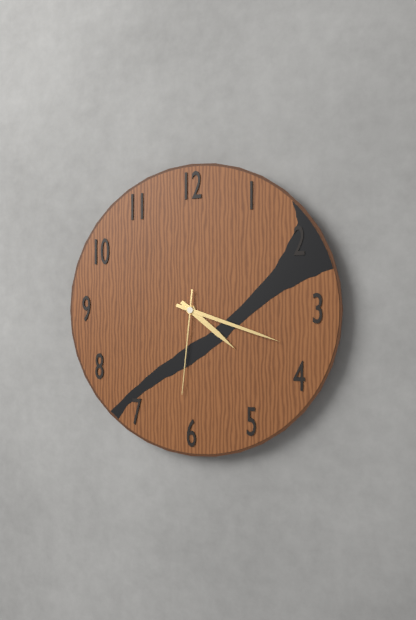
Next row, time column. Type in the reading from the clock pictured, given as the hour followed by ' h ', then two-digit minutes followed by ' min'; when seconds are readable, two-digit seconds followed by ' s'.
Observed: 4 h 18 min 31 s
